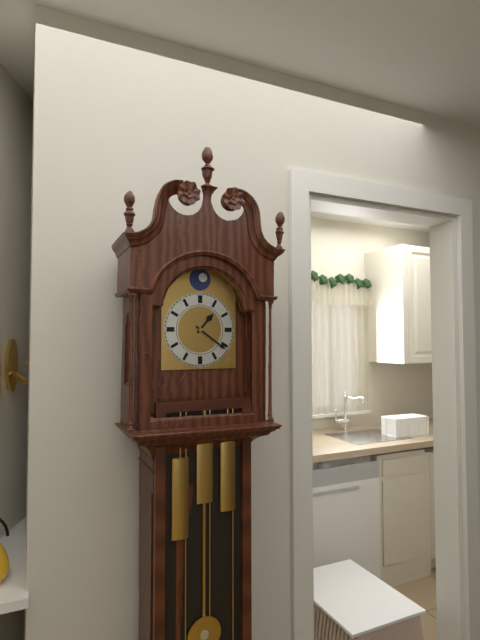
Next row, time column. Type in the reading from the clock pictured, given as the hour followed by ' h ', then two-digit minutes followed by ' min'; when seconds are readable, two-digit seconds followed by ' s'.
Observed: 1 h 21 min
